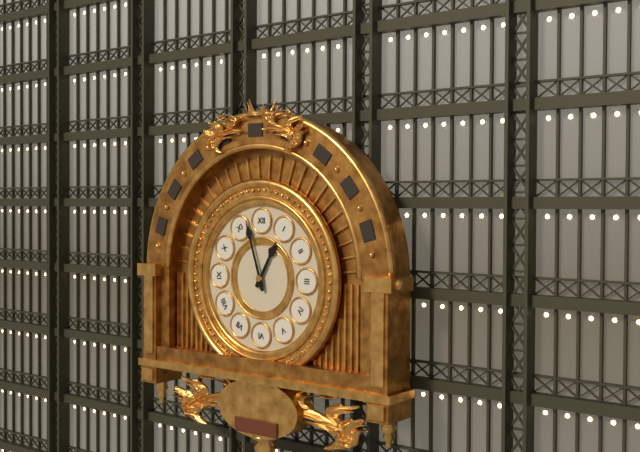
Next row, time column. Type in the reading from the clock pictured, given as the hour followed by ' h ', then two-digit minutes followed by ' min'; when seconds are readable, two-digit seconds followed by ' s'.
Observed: 12 h 57 min
